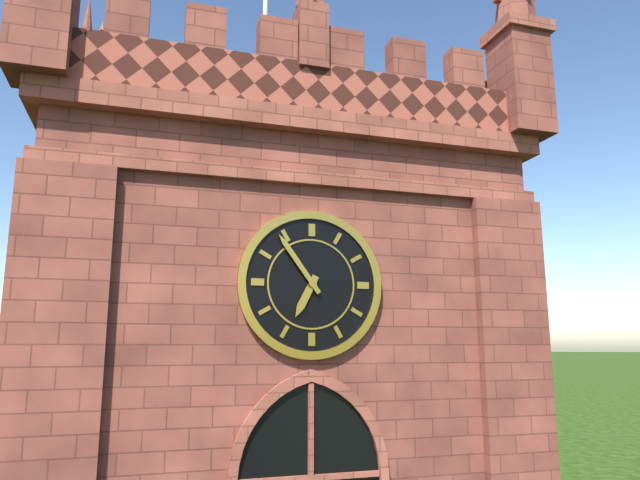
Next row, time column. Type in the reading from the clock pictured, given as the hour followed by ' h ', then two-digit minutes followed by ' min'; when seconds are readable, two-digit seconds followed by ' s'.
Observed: 6 h 54 min
